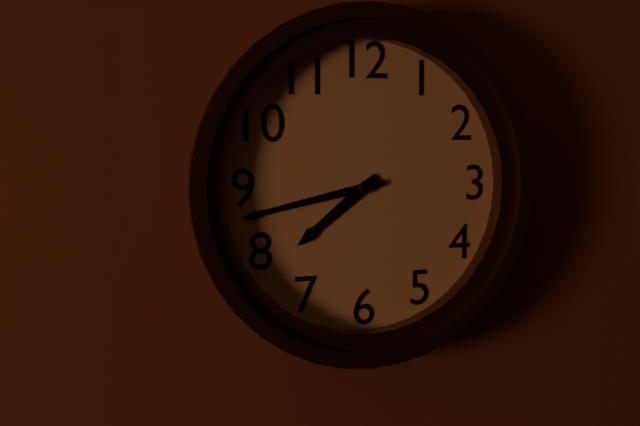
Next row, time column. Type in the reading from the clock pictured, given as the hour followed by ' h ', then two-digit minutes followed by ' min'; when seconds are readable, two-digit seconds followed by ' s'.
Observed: 7 h 43 min
